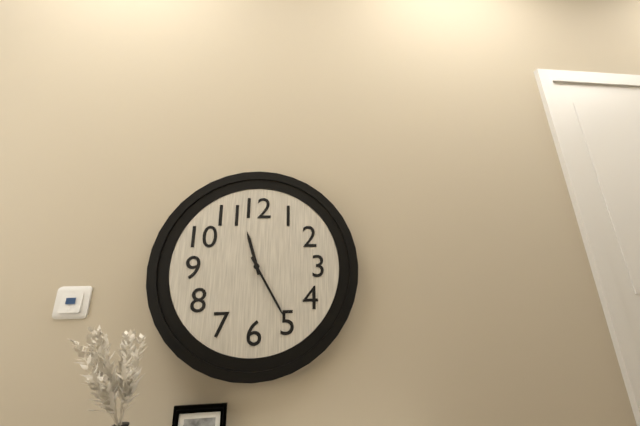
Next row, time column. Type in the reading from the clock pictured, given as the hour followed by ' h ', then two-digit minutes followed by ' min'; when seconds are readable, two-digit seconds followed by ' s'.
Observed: 11 h 25 min
